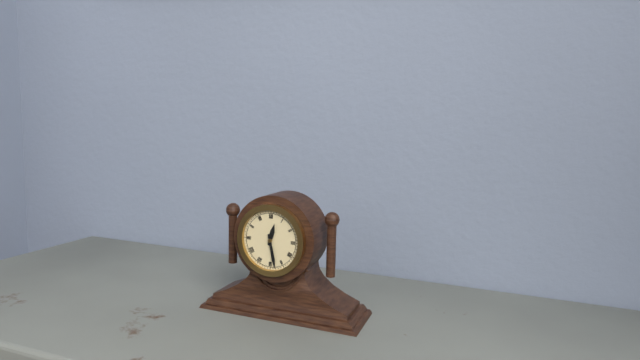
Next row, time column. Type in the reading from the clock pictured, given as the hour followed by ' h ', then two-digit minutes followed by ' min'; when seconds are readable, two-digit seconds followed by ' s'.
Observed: 12 h 28 min
